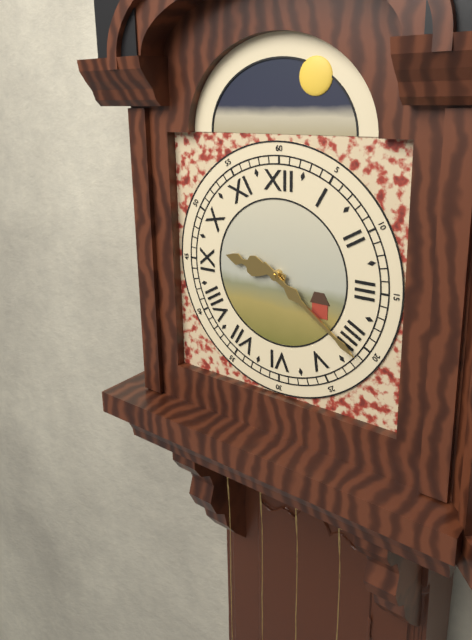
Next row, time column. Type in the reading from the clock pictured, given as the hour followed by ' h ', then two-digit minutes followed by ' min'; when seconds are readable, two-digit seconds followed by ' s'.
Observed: 9 h 21 min
